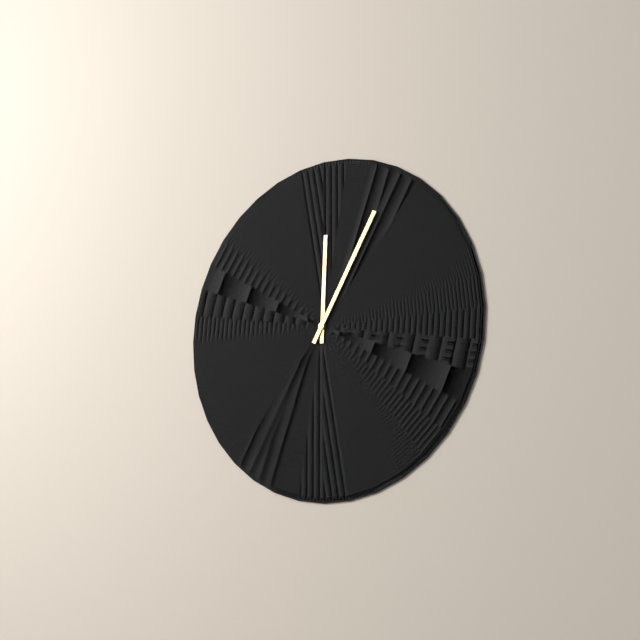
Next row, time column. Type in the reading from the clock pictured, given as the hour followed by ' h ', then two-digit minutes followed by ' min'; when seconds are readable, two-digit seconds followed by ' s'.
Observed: 12 h 05 min
